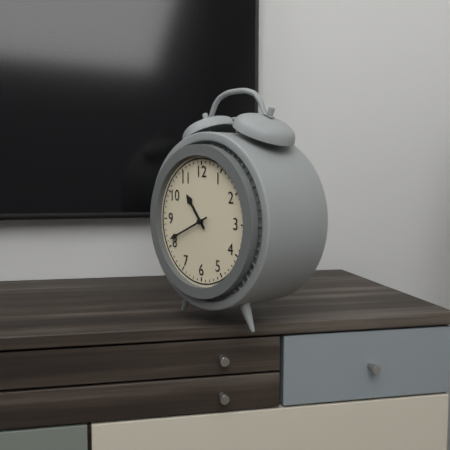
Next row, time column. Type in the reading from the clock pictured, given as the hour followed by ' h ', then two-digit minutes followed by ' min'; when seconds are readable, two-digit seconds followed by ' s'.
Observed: 10 h 41 min
